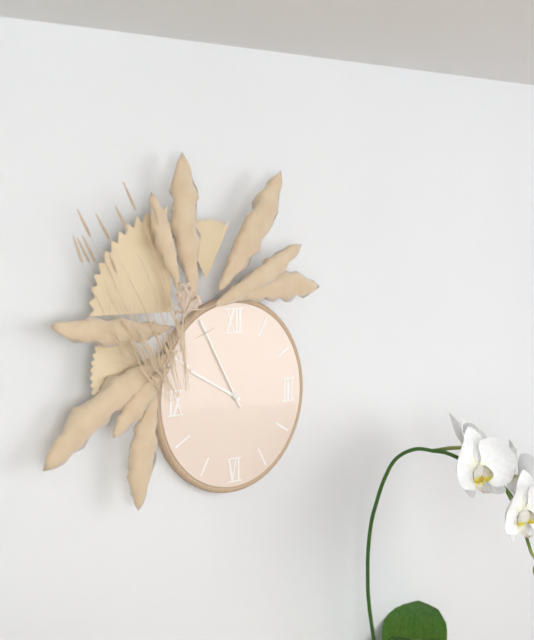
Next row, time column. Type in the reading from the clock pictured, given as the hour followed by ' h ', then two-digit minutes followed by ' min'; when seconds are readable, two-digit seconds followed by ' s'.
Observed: 9 h 55 min
